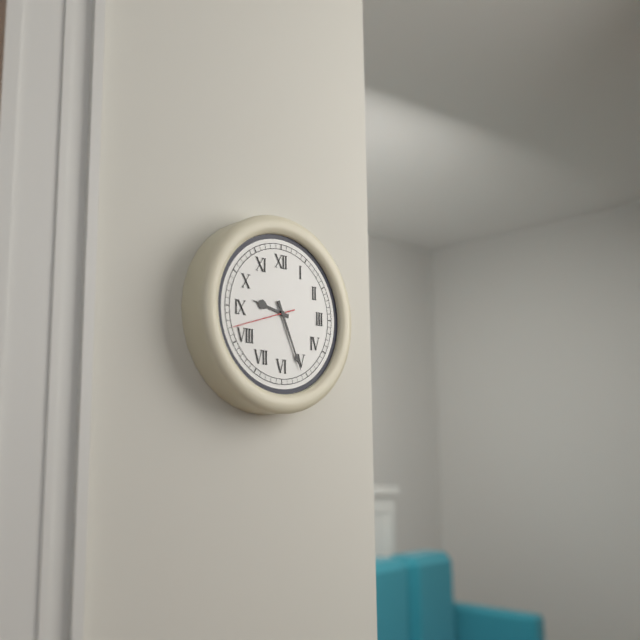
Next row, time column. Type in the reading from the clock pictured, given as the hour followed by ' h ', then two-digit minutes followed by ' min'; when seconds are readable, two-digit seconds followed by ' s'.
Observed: 9 h 26 min
